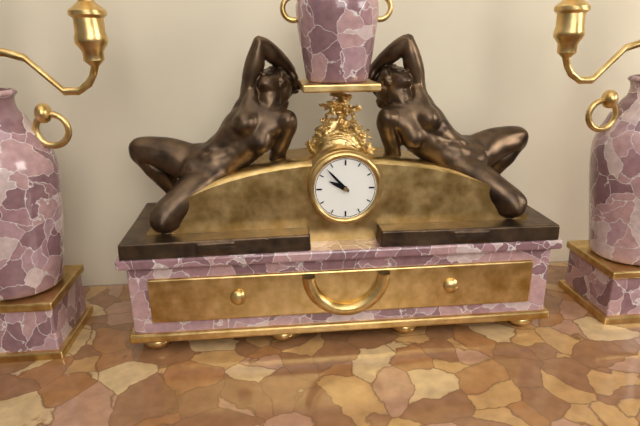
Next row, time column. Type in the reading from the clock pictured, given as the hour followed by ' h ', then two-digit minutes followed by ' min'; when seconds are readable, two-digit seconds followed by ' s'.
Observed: 9 h 53 min
